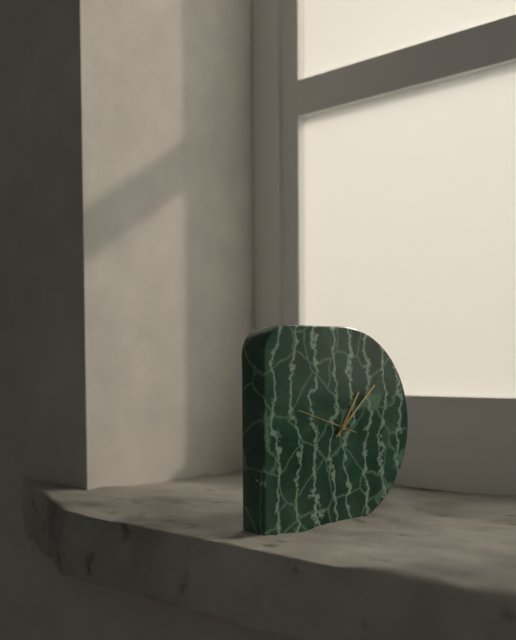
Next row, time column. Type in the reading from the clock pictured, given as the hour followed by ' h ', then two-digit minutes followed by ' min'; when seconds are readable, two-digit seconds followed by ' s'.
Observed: 1 h 08 min 48 s
